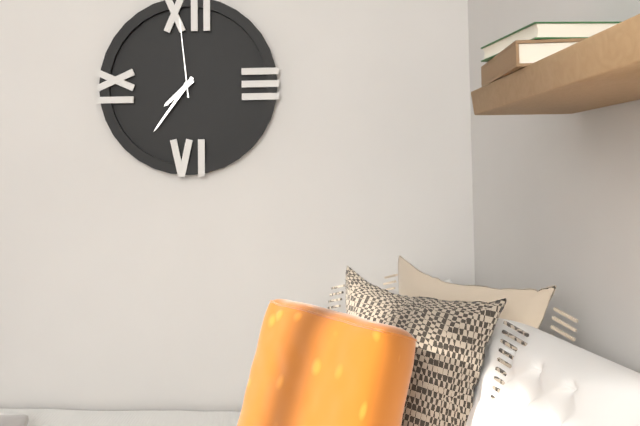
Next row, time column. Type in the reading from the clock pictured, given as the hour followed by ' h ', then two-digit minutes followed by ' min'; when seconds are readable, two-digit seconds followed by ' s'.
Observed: 7 h 36 min 59 s
